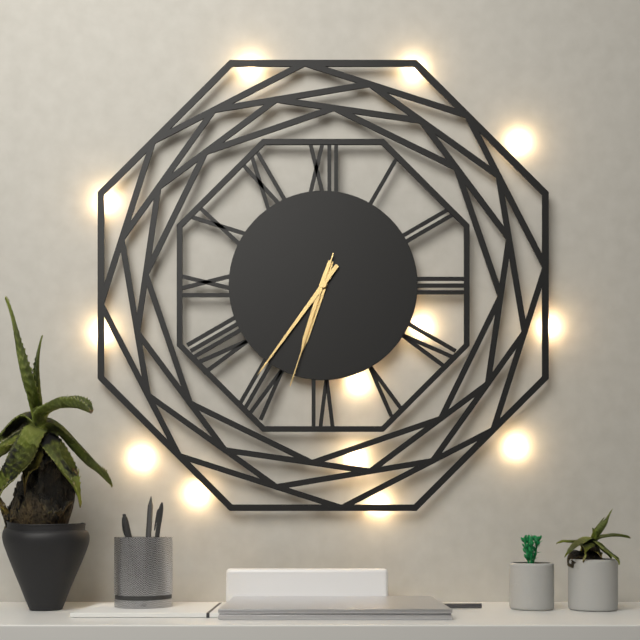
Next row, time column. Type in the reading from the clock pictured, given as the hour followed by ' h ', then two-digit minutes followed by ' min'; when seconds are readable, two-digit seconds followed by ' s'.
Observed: 6 h 36 min 33 s
